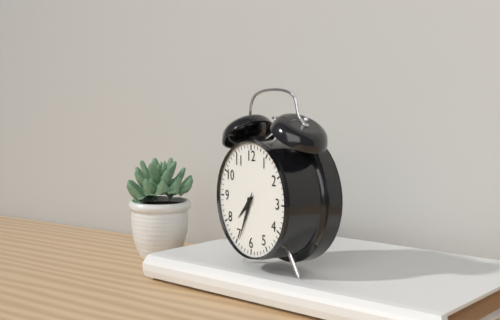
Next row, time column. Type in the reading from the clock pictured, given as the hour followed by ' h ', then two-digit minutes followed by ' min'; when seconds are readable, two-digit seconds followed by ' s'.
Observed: 7 h 34 min
